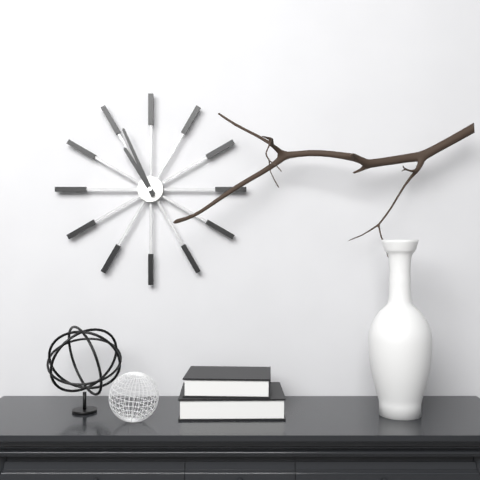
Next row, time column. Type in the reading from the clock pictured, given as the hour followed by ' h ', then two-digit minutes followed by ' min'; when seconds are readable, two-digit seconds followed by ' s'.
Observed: 10 h 56 min
